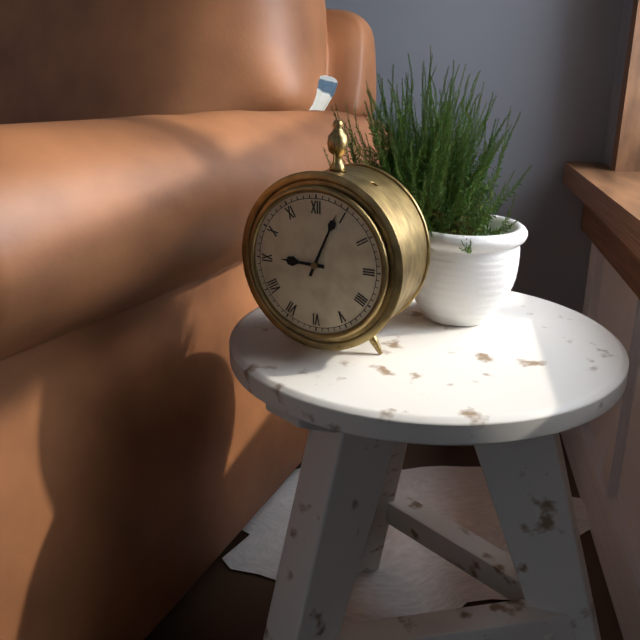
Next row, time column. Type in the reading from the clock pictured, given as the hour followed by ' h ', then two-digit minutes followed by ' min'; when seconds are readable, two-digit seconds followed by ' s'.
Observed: 9 h 04 min
